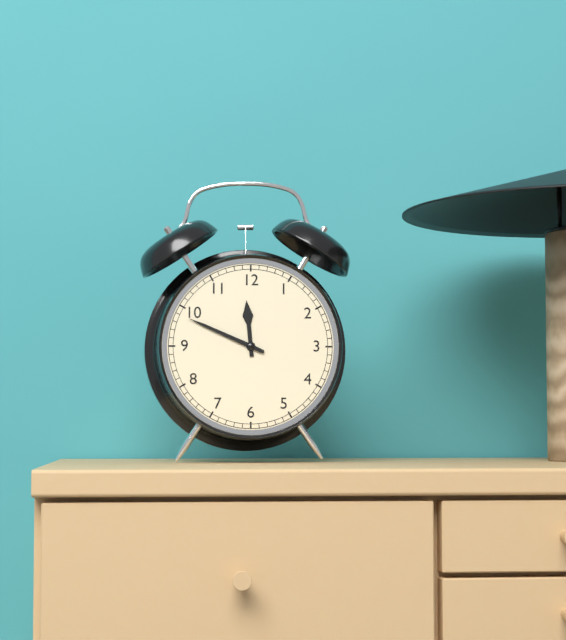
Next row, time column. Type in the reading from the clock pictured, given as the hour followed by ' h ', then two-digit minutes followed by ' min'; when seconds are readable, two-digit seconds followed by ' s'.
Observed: 11 h 49 min
